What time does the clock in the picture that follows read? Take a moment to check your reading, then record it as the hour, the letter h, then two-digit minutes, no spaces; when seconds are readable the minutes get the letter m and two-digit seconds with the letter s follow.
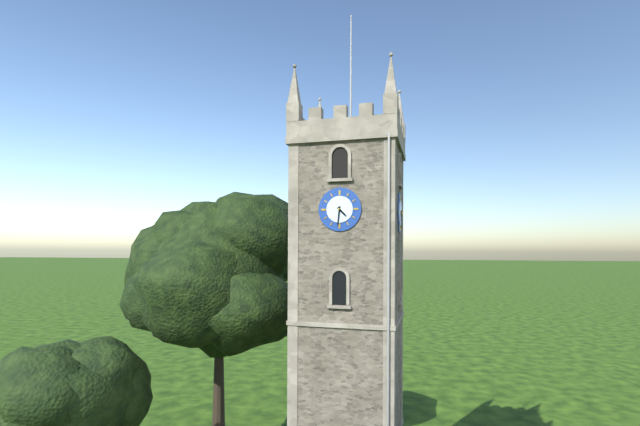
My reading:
4h31
